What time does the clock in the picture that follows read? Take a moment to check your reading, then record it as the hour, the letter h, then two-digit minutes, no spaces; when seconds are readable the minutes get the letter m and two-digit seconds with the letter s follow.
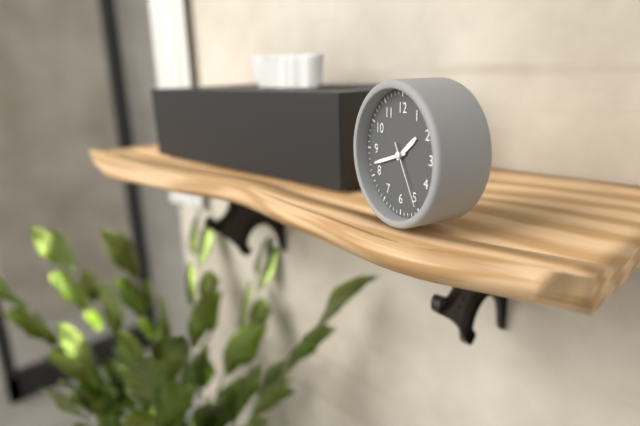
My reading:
1h42m25s
